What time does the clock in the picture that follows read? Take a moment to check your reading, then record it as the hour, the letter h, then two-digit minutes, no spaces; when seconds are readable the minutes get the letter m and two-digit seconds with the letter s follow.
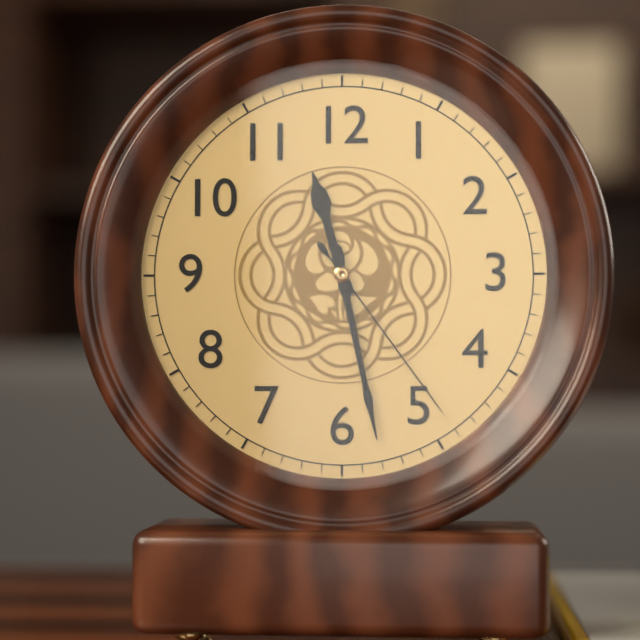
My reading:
11h28m24s
